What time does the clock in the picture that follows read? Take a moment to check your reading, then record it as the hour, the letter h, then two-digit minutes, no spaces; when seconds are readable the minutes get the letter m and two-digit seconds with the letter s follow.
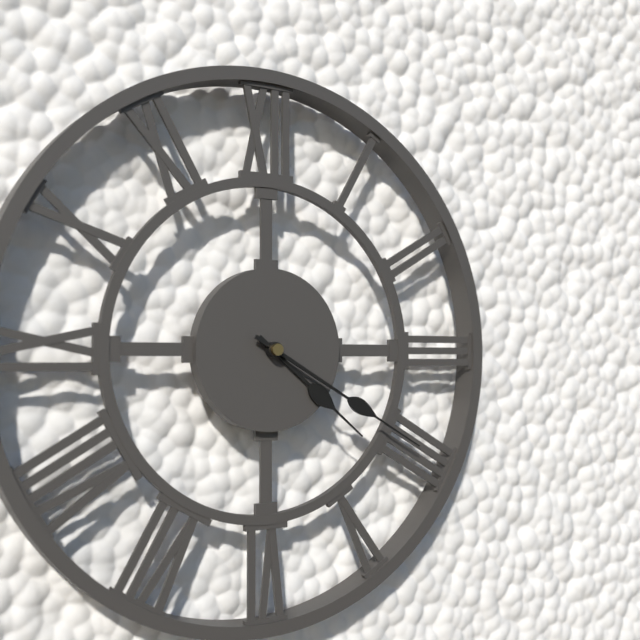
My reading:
4h20
